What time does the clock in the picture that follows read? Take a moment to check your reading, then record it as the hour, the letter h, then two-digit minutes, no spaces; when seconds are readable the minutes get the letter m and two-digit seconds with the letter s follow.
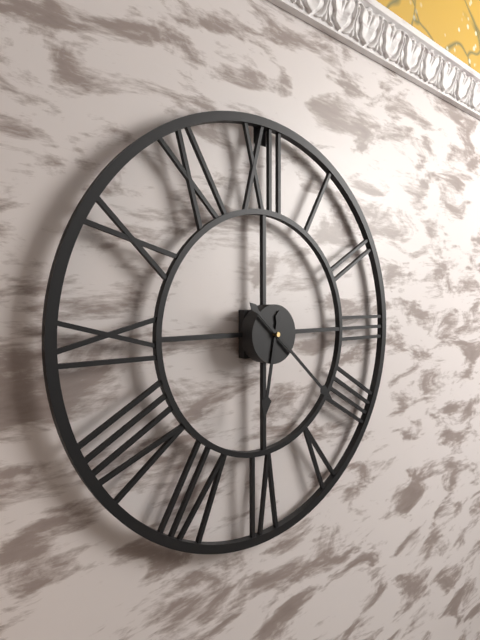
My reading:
6h22
